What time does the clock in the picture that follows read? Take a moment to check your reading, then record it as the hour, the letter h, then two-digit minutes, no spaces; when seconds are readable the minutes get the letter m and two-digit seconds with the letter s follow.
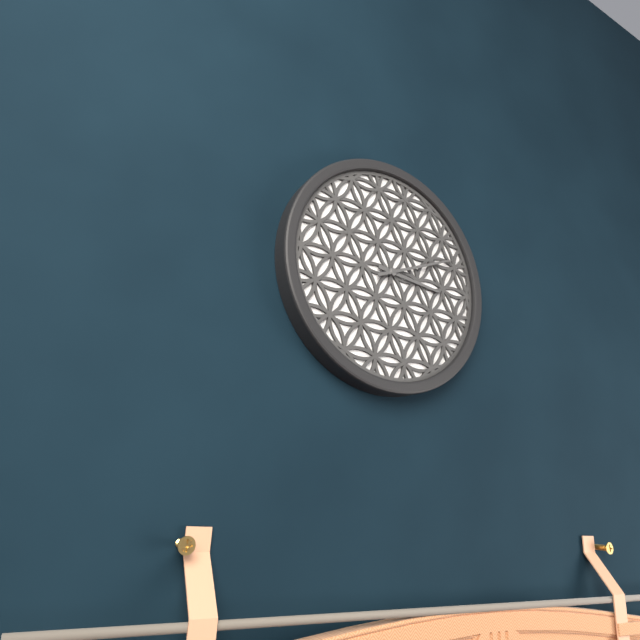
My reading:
3h11
